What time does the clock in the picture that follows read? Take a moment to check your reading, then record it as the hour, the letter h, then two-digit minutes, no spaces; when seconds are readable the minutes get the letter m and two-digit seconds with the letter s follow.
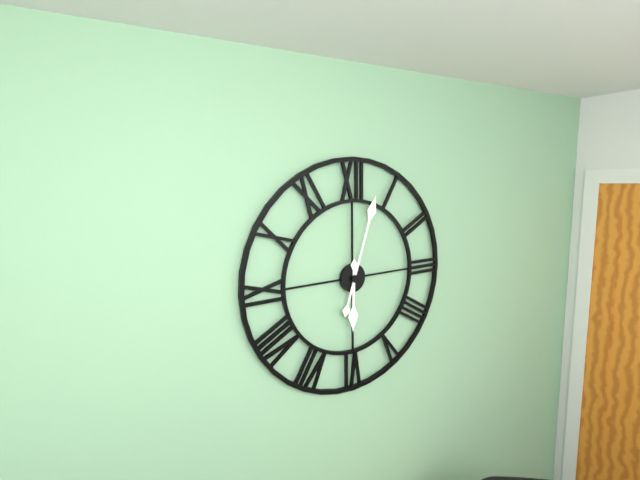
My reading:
6h03
